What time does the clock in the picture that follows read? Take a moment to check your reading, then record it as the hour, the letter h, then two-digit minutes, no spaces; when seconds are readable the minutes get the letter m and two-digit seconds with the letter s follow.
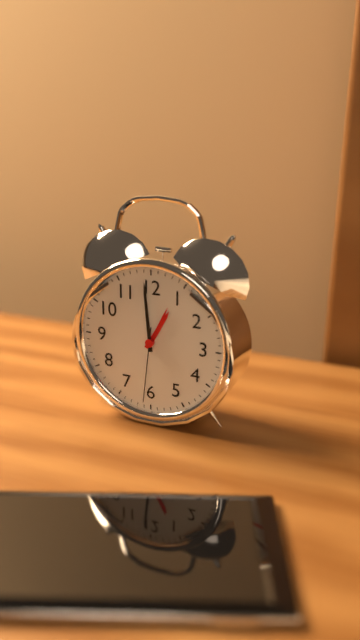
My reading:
12h59m31s
